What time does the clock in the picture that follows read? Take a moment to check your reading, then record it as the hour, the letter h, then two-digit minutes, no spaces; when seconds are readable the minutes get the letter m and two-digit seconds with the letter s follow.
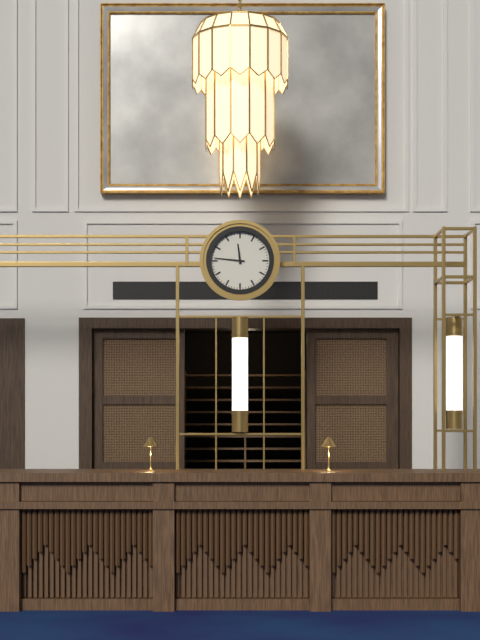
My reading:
11h46
